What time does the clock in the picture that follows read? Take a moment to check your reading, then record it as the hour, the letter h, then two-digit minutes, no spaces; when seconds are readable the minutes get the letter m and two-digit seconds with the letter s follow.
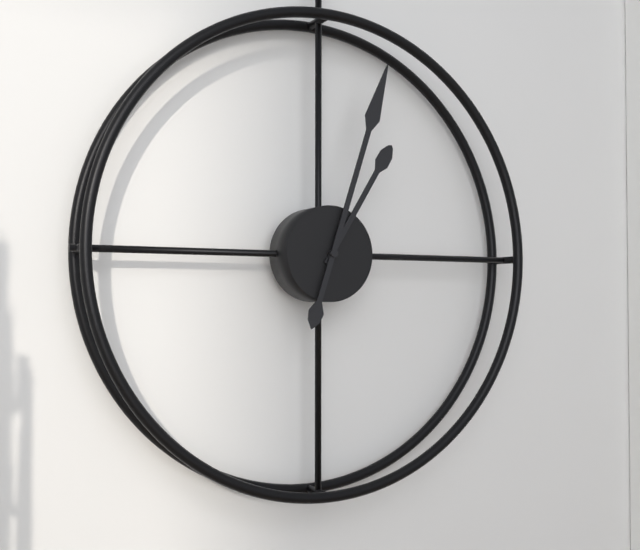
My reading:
1h03
